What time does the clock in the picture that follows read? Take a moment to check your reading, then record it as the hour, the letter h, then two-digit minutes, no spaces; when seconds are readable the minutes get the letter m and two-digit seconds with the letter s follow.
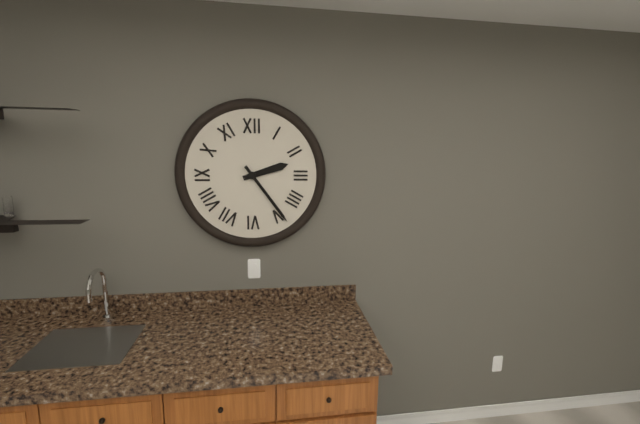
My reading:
2h24
